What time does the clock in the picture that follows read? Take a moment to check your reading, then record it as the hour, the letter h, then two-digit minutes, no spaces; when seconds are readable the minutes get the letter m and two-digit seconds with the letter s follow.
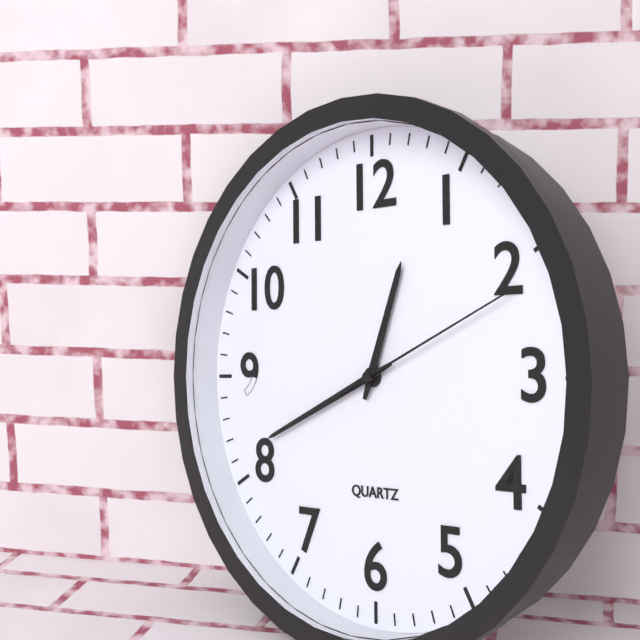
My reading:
12h41m11s
